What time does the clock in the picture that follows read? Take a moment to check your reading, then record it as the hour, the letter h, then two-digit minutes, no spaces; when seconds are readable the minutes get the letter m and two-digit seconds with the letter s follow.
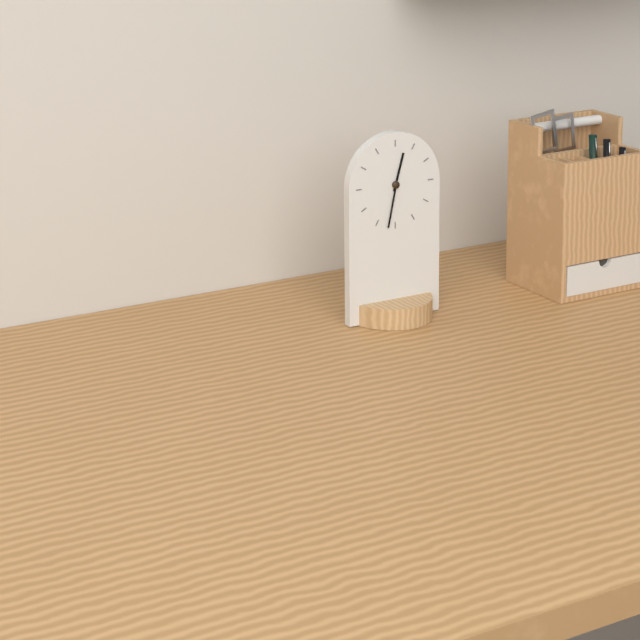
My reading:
12h32
